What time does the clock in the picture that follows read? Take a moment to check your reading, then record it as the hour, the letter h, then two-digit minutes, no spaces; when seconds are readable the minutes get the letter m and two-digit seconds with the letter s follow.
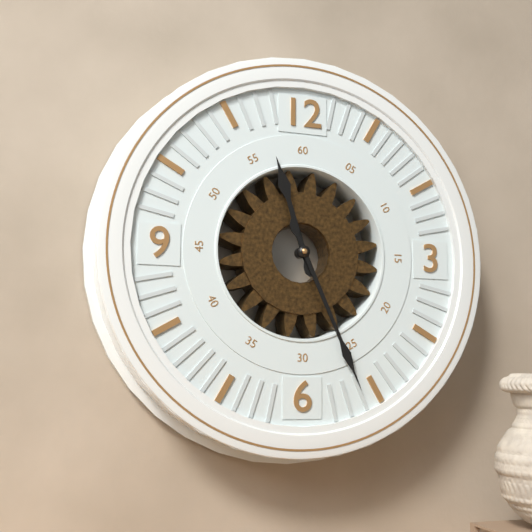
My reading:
11h26
